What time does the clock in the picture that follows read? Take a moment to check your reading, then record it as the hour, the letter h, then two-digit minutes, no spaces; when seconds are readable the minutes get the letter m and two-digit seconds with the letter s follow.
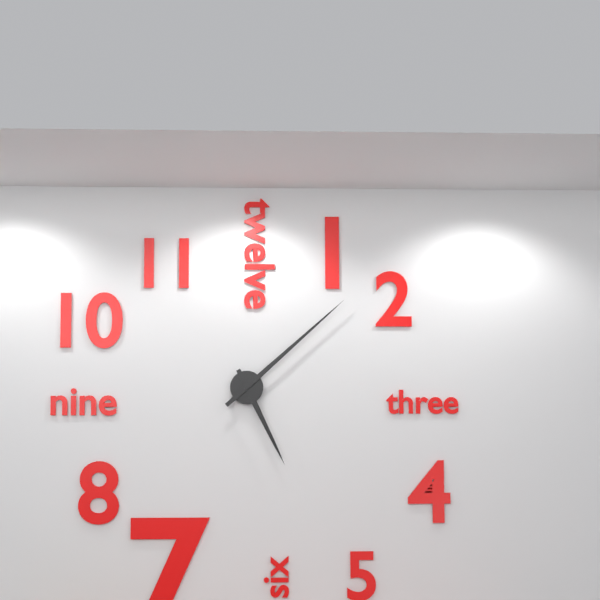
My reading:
5h08
